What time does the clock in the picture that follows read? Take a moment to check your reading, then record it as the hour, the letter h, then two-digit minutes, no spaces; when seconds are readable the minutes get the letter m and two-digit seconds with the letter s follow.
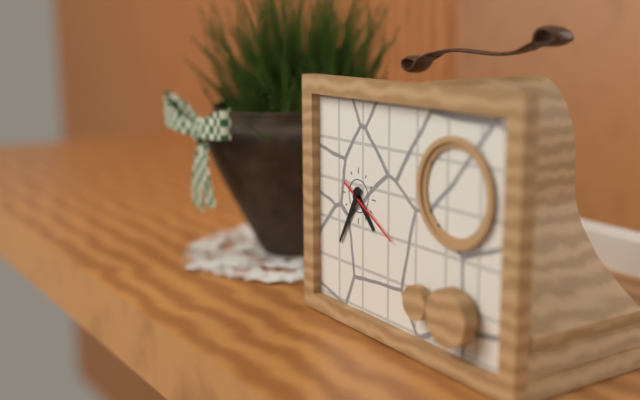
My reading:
4h35m20s
